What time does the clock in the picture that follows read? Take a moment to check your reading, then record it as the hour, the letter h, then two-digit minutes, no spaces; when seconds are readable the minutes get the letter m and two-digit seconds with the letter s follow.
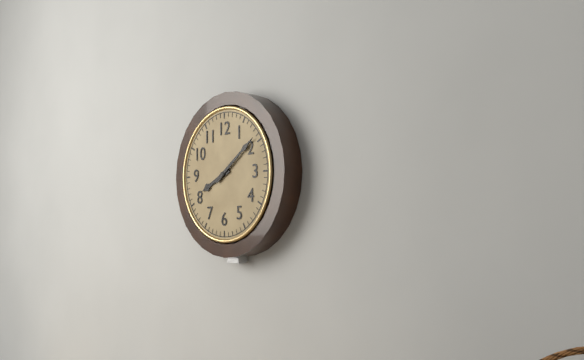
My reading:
8h09
